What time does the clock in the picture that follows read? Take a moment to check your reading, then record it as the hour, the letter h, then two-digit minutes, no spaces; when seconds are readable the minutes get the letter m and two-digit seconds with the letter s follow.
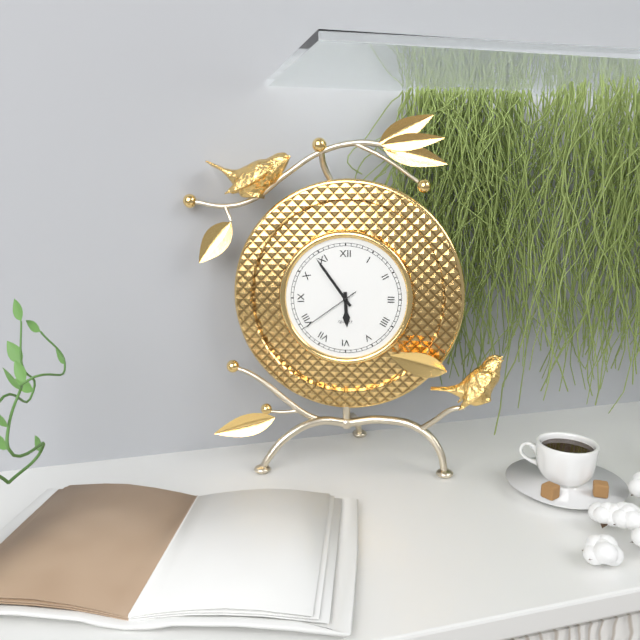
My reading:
5h54m39s
